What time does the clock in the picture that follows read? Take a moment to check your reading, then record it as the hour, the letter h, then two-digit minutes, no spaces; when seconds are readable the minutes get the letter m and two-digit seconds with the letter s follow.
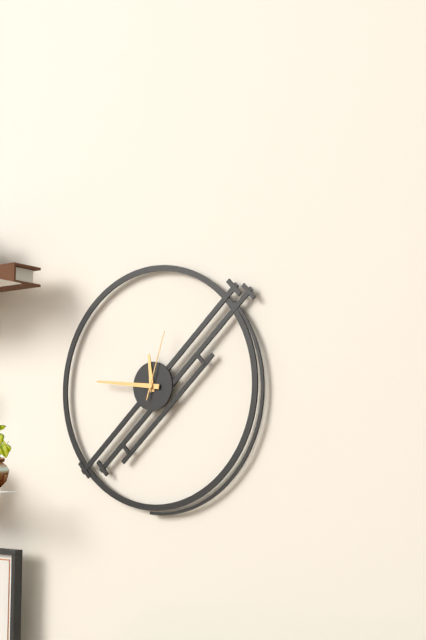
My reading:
11h46m03s
